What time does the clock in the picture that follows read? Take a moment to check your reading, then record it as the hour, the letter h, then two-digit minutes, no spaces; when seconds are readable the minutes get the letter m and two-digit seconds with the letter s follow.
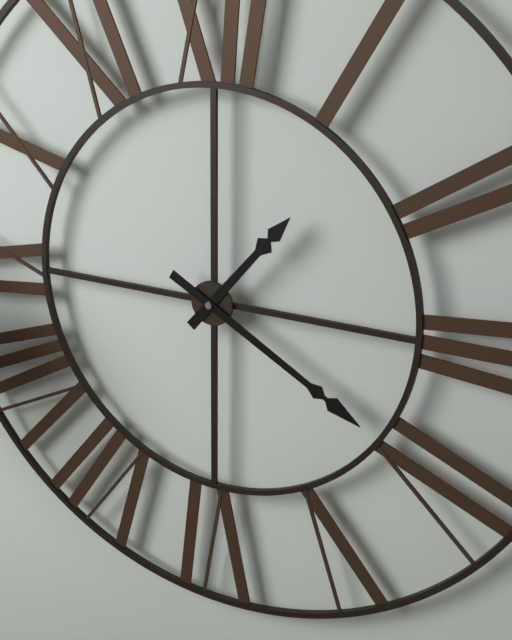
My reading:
1h20
